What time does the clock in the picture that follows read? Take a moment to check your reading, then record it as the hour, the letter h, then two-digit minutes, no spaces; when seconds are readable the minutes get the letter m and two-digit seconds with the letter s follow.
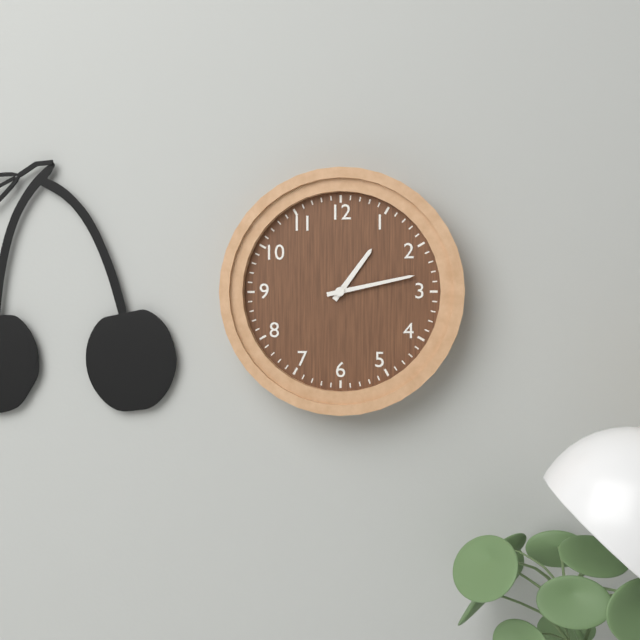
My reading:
1h13
